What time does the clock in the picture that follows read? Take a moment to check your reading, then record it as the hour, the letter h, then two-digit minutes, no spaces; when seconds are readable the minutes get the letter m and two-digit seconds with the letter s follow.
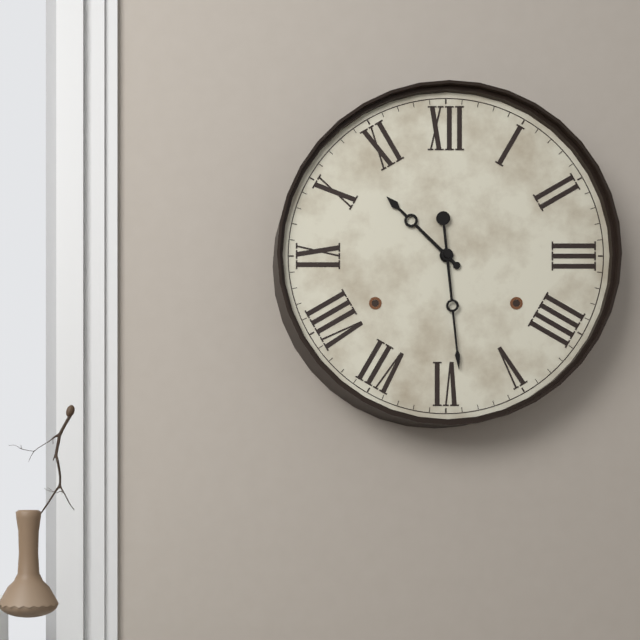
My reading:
10h29
